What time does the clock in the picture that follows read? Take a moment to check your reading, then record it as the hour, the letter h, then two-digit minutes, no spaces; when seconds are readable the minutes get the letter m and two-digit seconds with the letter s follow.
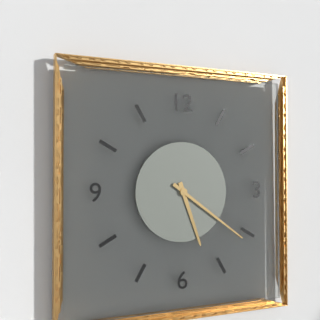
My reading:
5h21
